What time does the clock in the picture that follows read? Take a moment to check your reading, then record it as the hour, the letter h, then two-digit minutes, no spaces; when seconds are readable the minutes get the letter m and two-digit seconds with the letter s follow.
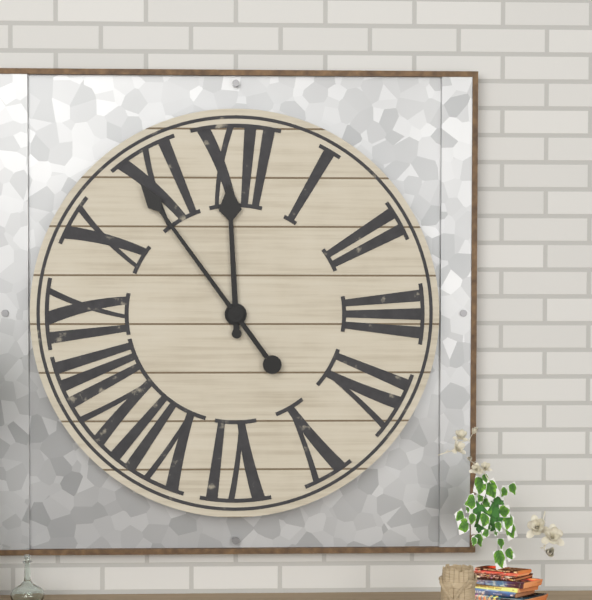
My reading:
11h54
